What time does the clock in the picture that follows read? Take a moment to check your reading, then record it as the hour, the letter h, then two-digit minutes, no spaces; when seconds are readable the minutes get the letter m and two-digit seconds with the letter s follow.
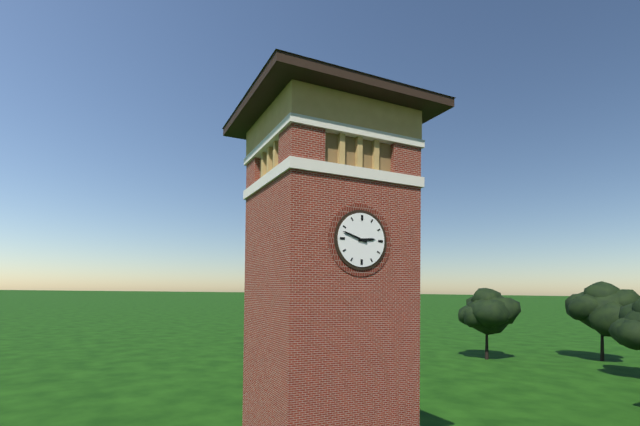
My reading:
2h48
